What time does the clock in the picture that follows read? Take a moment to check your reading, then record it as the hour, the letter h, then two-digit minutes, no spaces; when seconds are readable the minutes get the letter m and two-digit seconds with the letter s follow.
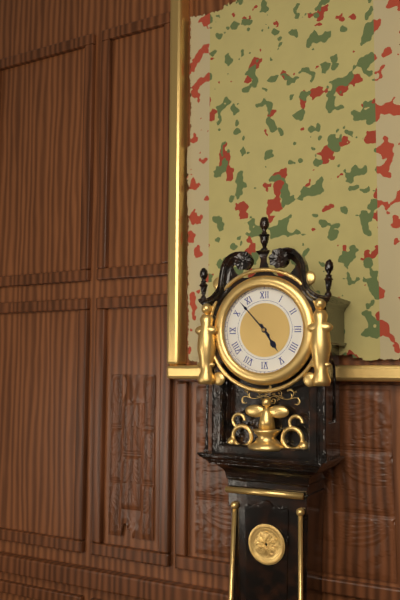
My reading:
4h53
